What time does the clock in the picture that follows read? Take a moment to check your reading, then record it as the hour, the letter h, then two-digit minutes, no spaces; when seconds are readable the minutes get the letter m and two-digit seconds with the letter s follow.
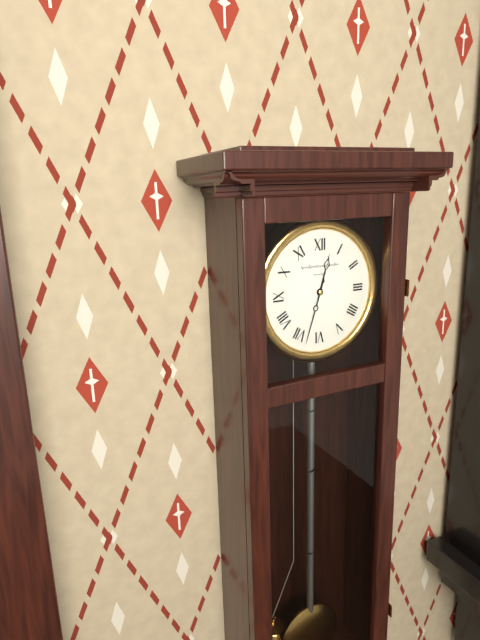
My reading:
12h33
